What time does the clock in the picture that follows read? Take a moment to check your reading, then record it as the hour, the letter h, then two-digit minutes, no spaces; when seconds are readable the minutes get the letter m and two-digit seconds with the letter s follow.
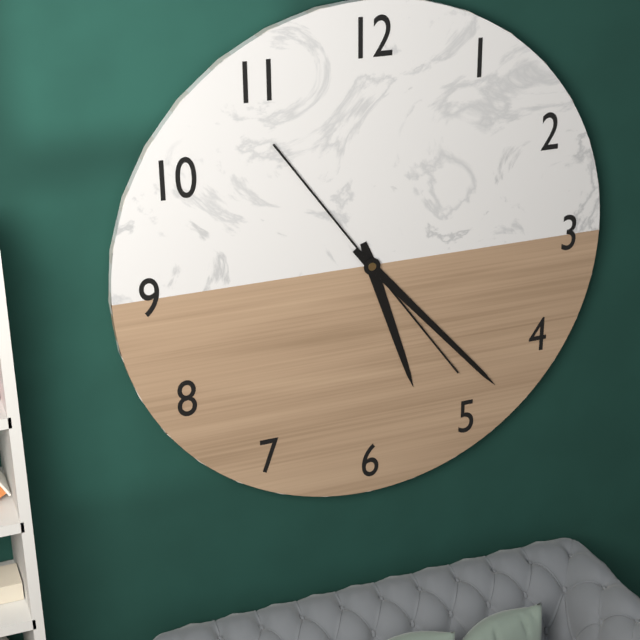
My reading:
5h23
